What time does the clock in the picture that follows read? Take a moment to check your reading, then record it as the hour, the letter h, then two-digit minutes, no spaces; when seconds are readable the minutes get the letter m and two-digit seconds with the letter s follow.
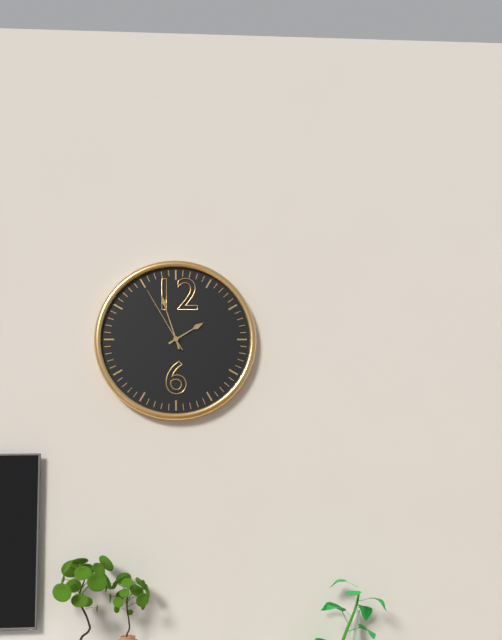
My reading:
1h57m55s
